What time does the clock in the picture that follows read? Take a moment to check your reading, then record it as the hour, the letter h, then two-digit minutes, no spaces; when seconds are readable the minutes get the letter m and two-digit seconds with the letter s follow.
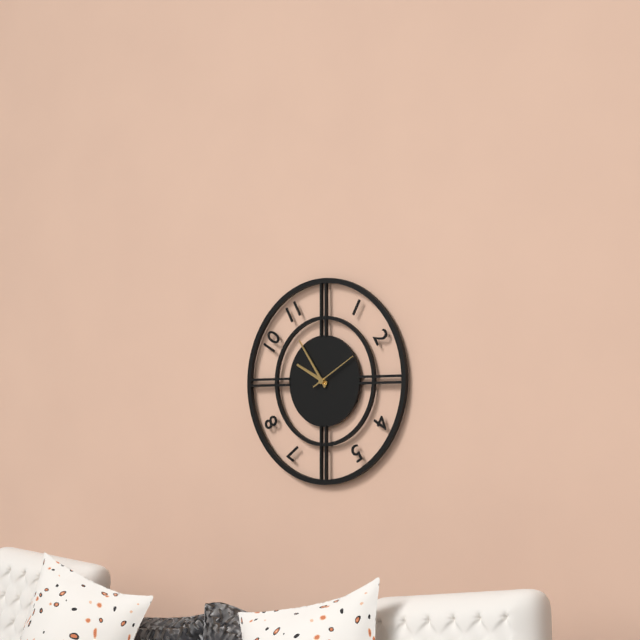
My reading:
9h54
